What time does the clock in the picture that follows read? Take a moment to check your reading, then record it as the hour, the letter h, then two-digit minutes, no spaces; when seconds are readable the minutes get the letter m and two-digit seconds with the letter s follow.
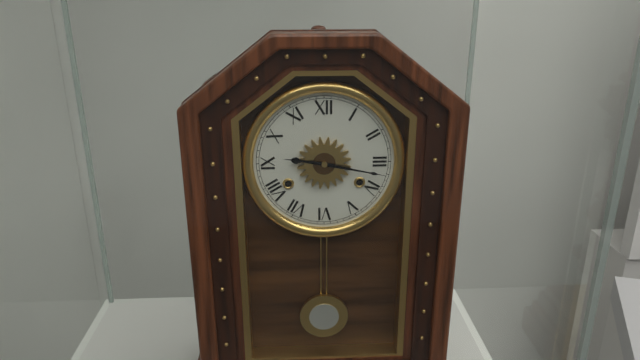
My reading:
9h17
